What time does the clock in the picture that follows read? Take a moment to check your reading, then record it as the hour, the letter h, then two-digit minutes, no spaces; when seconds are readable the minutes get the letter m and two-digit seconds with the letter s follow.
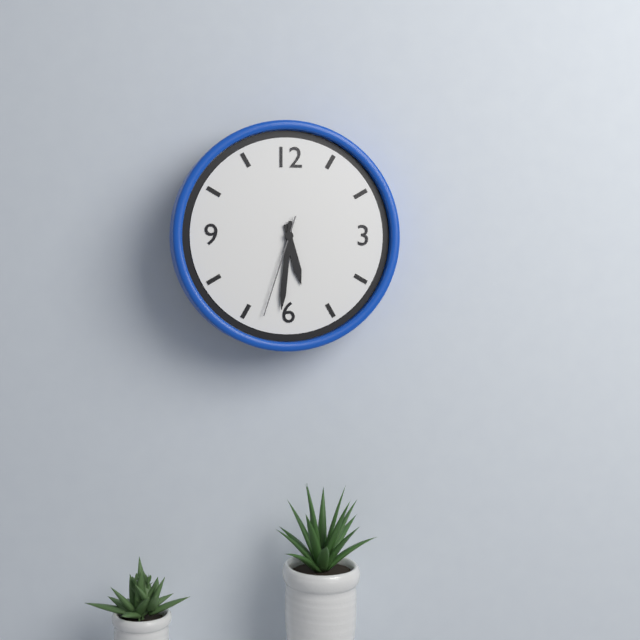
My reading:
5h31m33s
